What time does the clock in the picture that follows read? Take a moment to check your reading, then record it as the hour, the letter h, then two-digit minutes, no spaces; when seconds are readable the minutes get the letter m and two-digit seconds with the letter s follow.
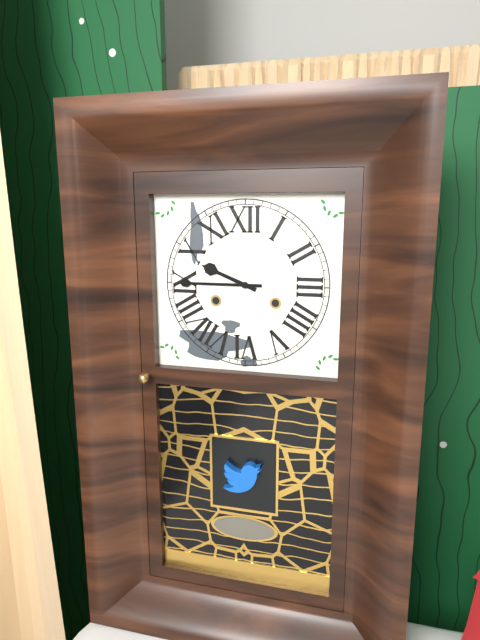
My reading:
9h45
